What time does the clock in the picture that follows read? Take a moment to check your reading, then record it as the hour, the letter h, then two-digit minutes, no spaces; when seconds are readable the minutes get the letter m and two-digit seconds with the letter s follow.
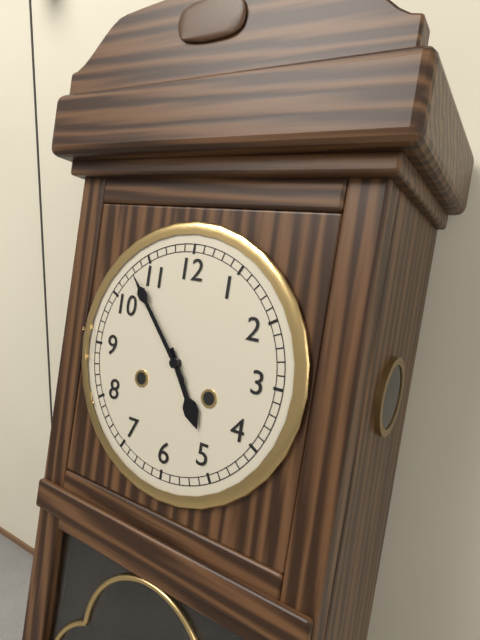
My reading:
4h53
